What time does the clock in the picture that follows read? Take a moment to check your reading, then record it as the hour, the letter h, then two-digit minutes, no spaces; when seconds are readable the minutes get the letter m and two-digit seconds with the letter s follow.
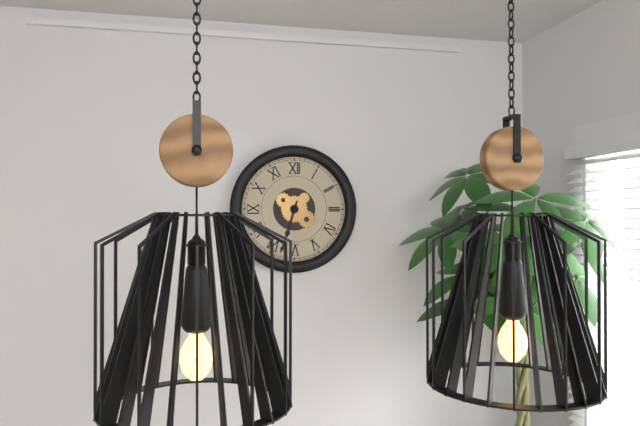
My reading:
6h33
